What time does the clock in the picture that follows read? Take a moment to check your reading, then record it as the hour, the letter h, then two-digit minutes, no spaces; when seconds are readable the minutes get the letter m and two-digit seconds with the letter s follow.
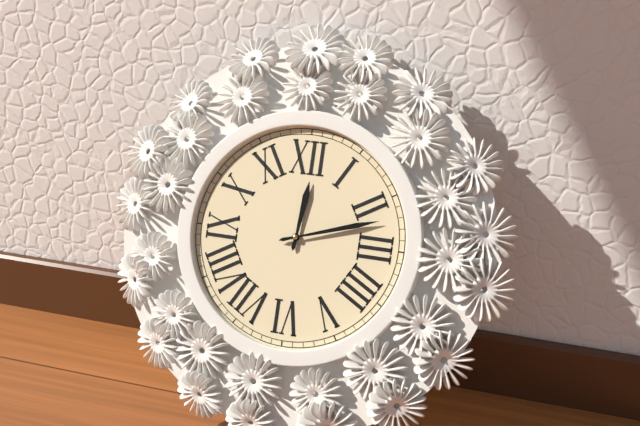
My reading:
12h12
